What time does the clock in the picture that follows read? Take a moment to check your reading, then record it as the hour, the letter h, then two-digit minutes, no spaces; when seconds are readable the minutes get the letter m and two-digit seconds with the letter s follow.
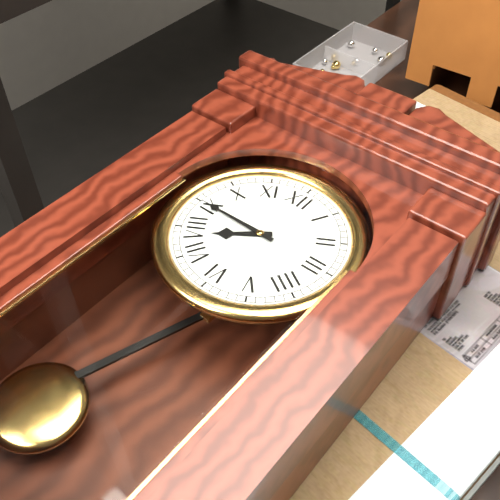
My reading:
7h45
